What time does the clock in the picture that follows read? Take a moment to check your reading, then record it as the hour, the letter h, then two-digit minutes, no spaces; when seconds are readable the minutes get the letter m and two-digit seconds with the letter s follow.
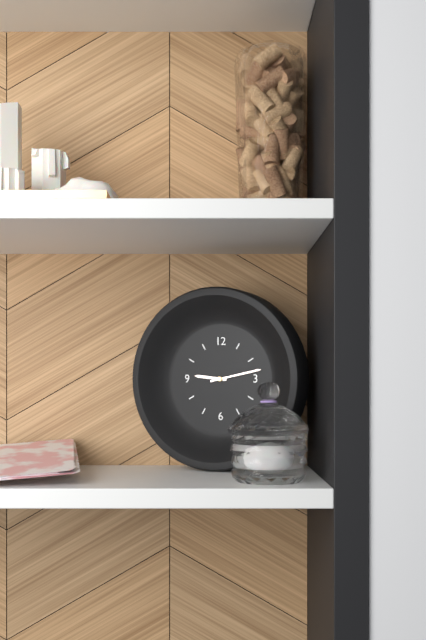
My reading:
9h13
